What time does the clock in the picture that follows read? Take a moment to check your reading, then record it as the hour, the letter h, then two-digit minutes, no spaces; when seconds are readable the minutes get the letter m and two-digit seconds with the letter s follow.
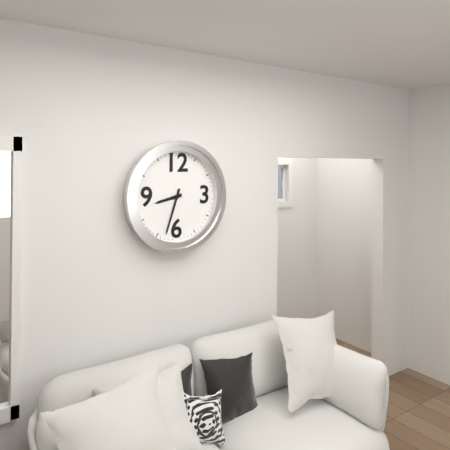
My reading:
8h33
